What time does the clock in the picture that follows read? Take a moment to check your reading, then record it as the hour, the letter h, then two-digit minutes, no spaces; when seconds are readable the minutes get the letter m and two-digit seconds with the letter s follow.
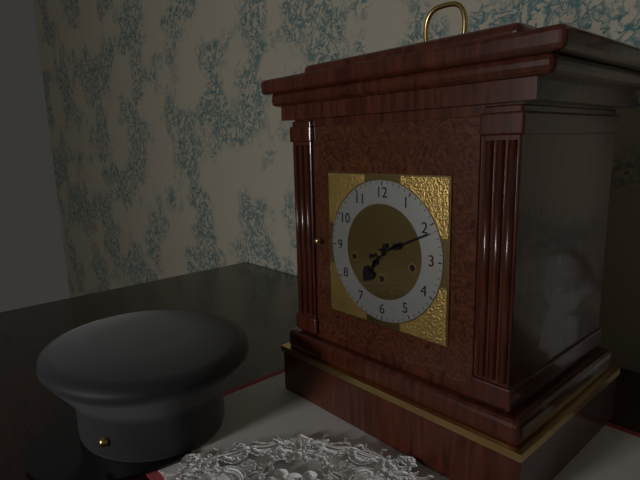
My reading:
7h11
